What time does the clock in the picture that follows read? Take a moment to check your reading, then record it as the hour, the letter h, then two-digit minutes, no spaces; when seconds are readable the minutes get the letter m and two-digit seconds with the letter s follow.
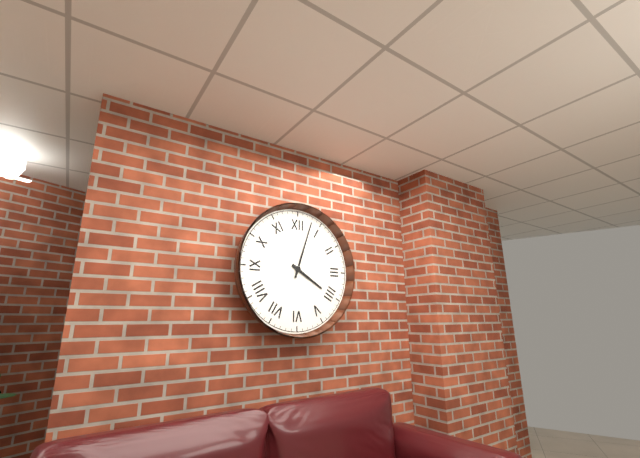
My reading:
4h03
